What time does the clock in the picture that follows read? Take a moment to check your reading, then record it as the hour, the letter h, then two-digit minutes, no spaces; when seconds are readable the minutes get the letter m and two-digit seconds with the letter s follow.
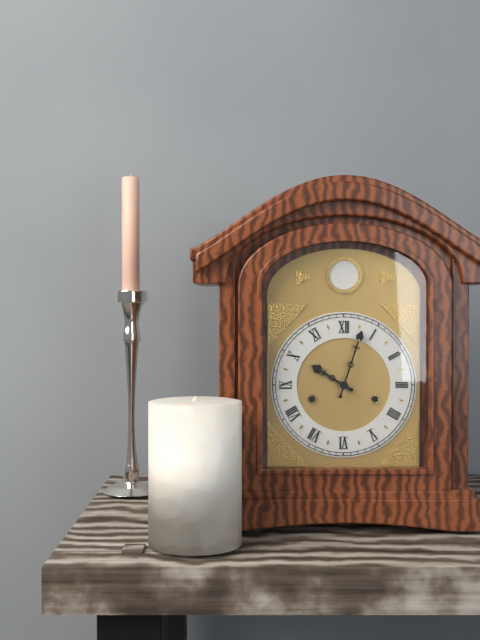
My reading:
10h03
